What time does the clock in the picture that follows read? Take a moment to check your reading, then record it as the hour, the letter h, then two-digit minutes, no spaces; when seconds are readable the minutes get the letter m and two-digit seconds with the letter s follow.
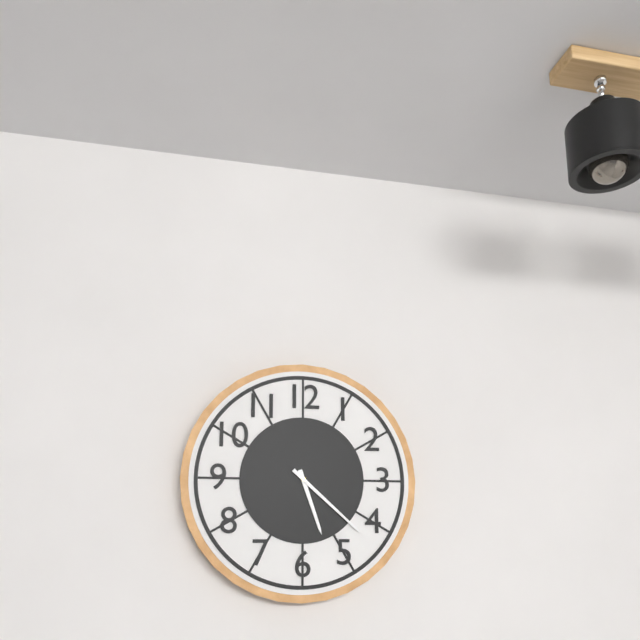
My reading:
5h22
